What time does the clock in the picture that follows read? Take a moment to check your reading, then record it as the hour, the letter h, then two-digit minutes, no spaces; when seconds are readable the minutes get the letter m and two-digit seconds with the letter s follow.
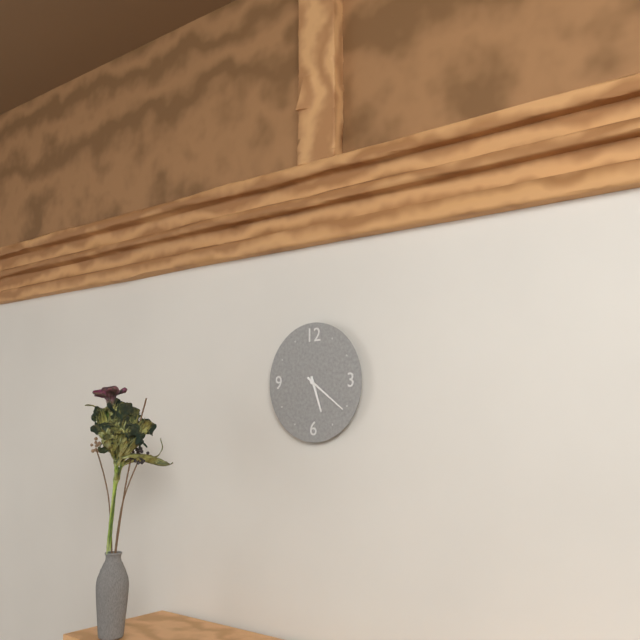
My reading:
5h21
